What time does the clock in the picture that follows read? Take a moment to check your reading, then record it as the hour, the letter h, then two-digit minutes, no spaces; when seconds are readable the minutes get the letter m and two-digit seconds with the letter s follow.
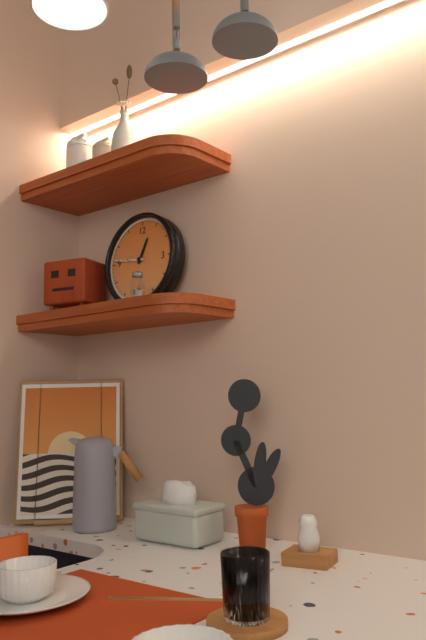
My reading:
12h46
